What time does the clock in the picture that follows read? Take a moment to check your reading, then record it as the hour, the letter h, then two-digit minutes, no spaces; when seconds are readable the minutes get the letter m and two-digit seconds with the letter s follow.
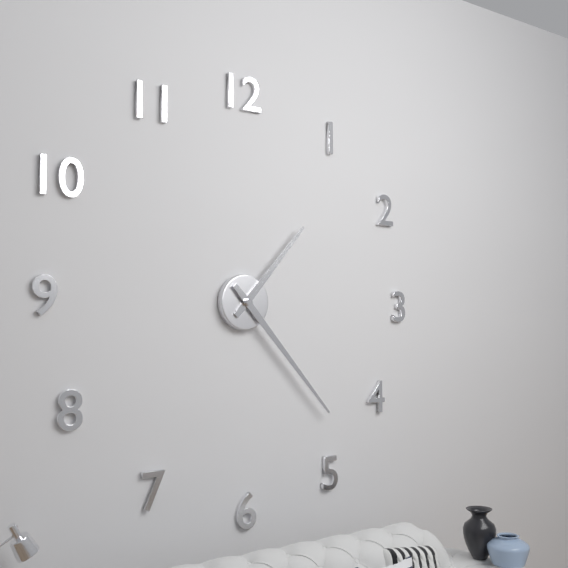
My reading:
1h23
